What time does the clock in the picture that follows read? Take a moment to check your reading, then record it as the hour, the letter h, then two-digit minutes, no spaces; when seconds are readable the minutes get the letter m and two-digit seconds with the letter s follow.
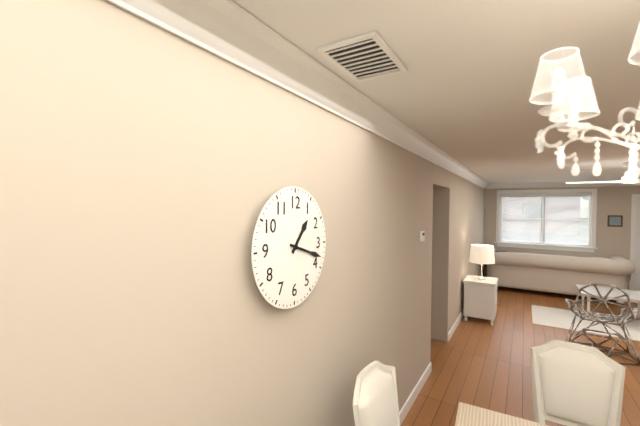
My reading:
1h18
